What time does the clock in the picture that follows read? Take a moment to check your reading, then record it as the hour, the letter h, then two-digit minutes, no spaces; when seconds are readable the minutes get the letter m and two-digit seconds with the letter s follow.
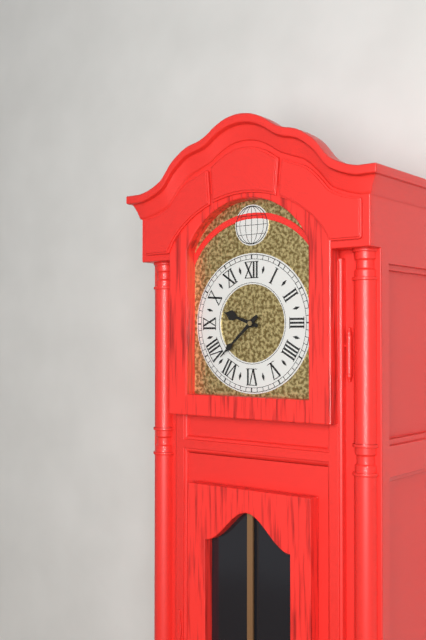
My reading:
9h38
